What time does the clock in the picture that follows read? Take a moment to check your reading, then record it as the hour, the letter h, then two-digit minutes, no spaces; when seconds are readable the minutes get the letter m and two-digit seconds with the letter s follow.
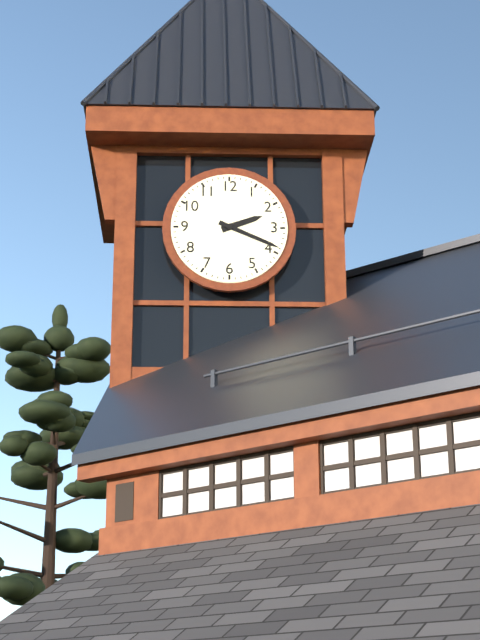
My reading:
2h19
